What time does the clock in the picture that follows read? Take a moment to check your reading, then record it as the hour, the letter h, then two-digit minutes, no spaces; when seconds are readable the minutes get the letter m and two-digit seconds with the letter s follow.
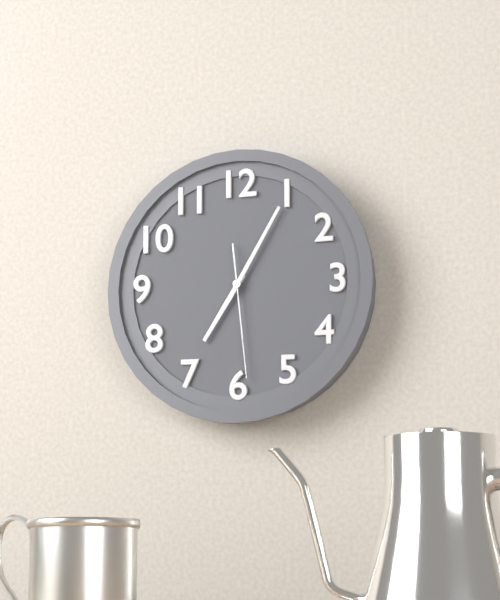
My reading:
7h05m29s
